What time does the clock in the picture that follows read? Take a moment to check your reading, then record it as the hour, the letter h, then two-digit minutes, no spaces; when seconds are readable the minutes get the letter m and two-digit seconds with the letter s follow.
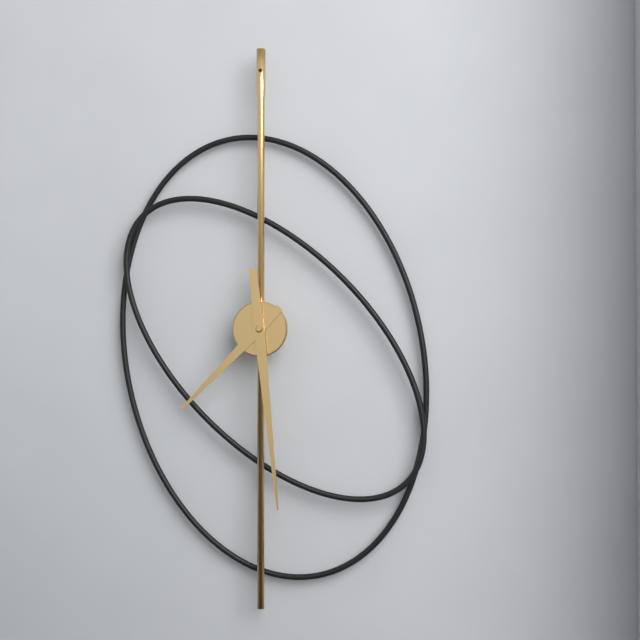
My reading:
7h29
